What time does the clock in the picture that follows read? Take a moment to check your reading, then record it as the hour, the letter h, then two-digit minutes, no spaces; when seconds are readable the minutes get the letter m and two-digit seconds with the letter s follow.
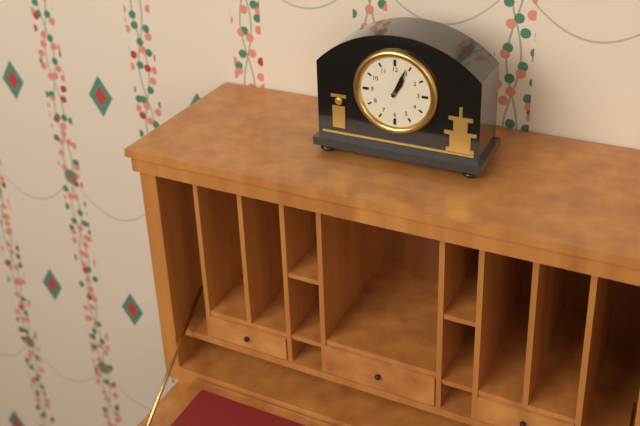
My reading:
1h04
